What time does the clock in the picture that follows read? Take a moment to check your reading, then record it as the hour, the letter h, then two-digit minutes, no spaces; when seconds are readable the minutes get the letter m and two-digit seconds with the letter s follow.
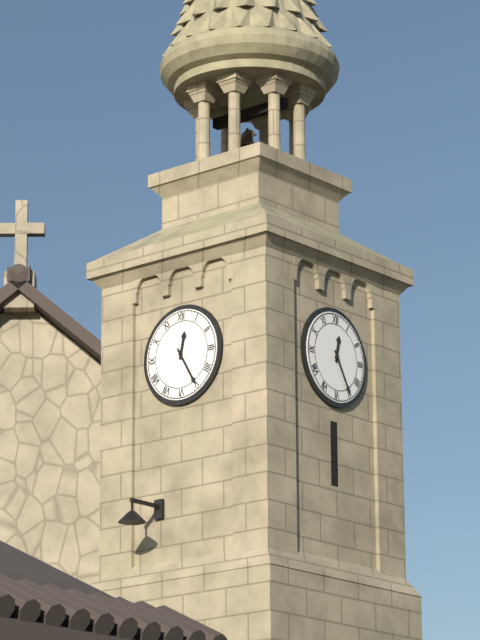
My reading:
12h25
